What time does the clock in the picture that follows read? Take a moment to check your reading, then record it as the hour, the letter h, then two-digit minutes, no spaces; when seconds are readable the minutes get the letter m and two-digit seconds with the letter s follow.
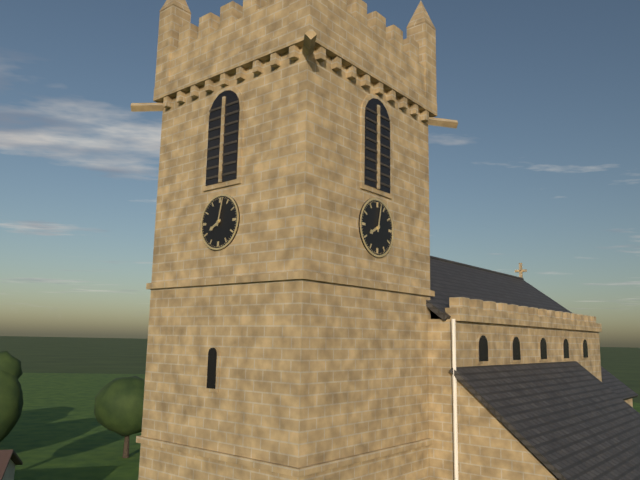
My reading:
8h02
